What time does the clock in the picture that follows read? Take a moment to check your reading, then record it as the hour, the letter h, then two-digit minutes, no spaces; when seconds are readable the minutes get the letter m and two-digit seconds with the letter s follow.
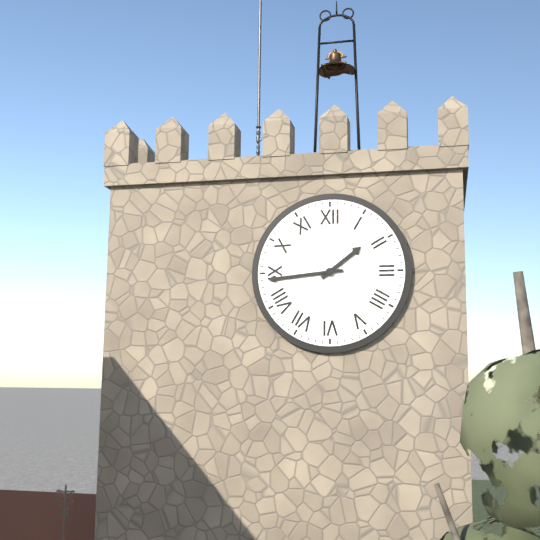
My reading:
1h44
